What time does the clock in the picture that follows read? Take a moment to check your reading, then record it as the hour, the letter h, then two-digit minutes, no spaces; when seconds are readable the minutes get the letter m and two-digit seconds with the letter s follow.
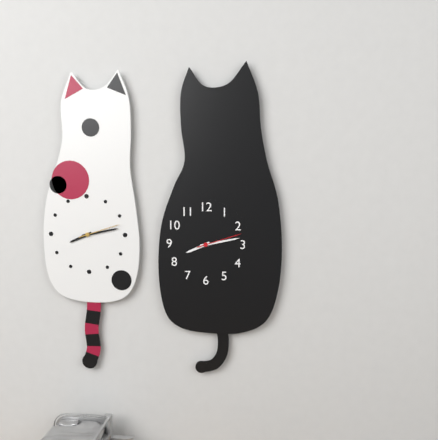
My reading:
8h13
